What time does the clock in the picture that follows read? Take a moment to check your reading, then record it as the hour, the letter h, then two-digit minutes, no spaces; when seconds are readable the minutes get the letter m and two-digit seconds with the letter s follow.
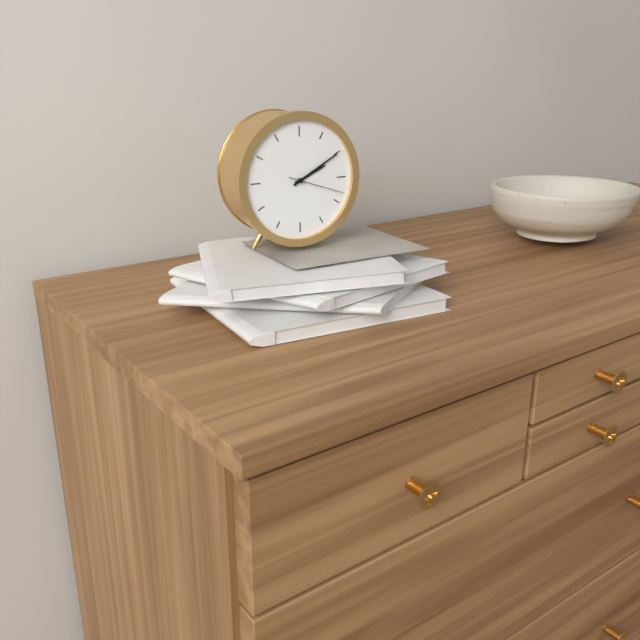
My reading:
2h10m18s
